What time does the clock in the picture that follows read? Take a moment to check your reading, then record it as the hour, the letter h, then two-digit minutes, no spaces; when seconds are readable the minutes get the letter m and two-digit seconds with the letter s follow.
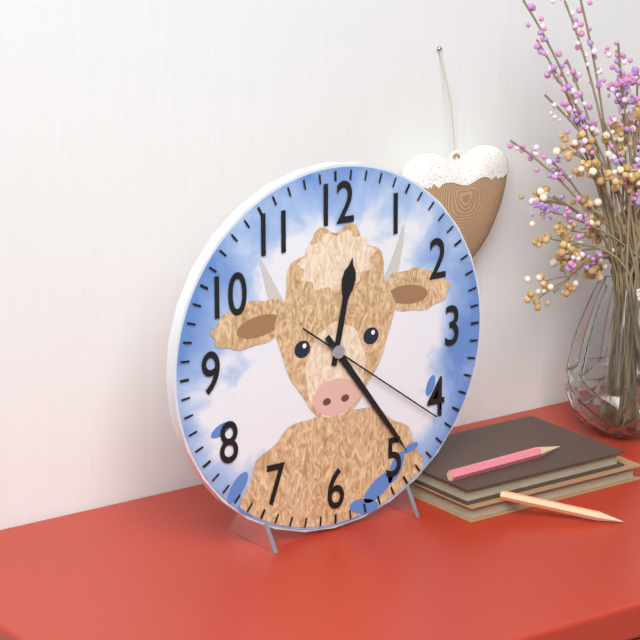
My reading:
12h24m21s
